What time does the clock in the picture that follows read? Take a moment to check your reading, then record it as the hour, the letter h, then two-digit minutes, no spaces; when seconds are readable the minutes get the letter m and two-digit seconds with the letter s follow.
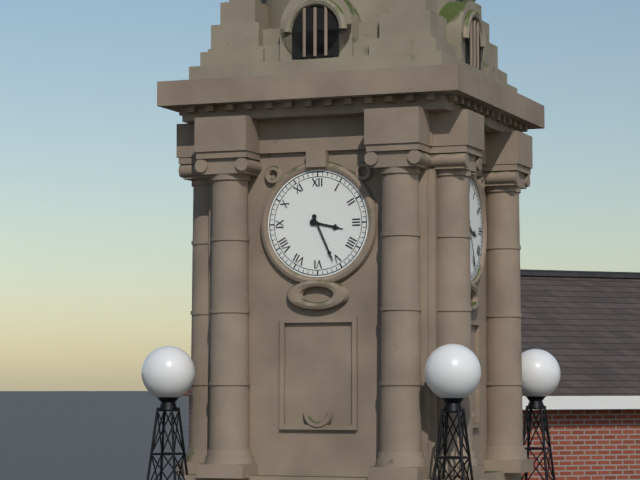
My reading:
3h26
